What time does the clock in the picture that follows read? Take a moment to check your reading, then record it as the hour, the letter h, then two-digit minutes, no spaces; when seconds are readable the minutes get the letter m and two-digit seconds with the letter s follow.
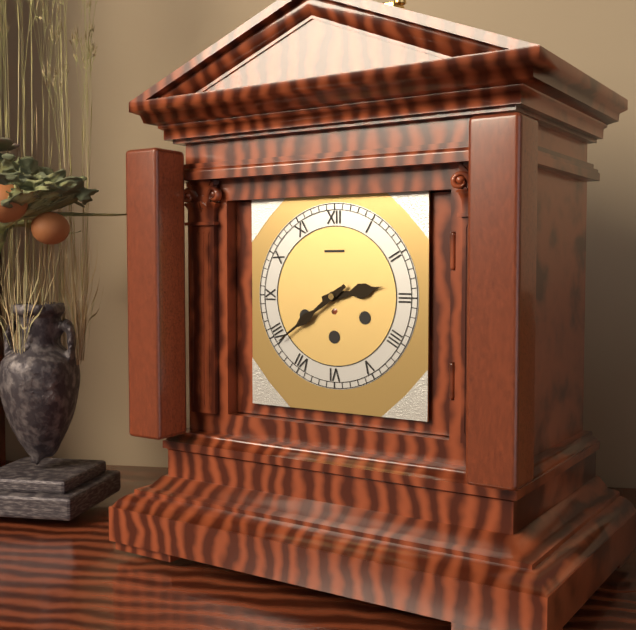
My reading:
2h39
